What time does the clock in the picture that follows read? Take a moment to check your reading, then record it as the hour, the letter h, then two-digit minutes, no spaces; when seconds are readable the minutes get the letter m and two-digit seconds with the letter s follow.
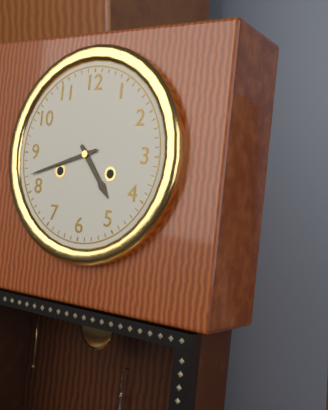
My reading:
4h42
